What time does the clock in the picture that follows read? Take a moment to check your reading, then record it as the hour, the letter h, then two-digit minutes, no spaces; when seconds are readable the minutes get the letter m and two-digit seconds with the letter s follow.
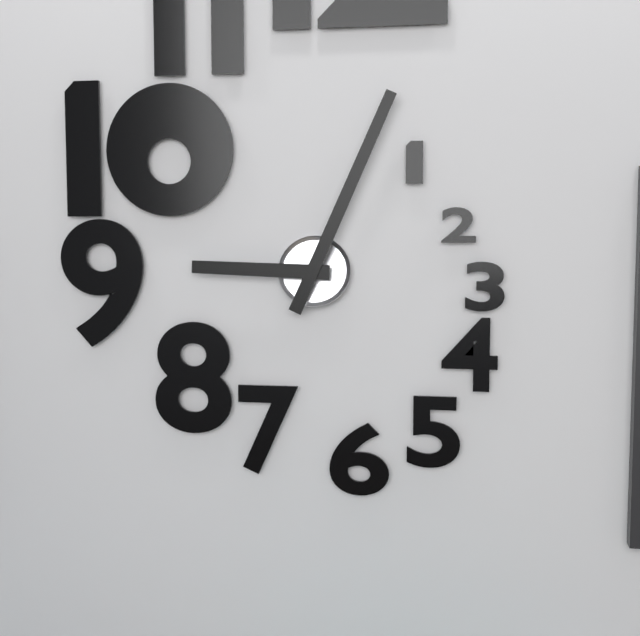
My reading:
9h04
